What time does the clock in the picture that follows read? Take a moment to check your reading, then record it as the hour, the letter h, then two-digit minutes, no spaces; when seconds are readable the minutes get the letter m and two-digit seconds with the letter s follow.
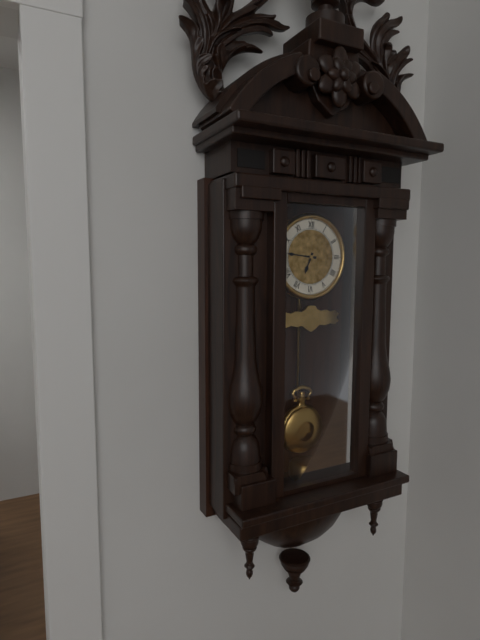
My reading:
6h46
